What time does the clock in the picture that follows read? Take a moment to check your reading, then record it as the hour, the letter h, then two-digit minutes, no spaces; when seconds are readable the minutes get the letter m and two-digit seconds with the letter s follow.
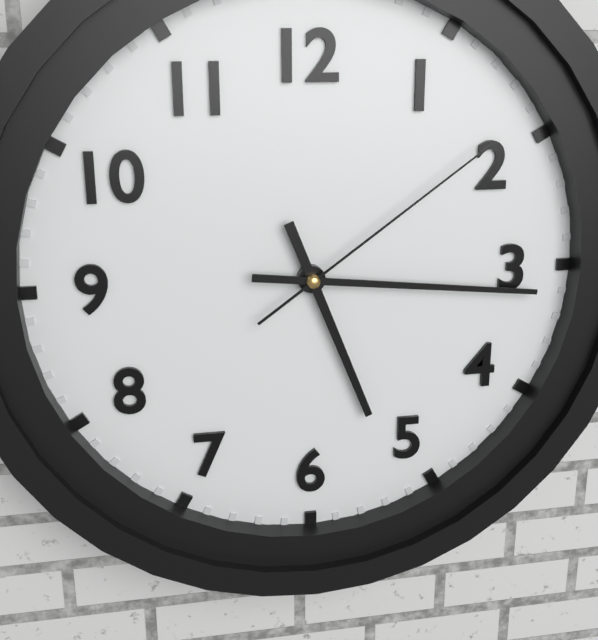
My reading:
5h16m09s
